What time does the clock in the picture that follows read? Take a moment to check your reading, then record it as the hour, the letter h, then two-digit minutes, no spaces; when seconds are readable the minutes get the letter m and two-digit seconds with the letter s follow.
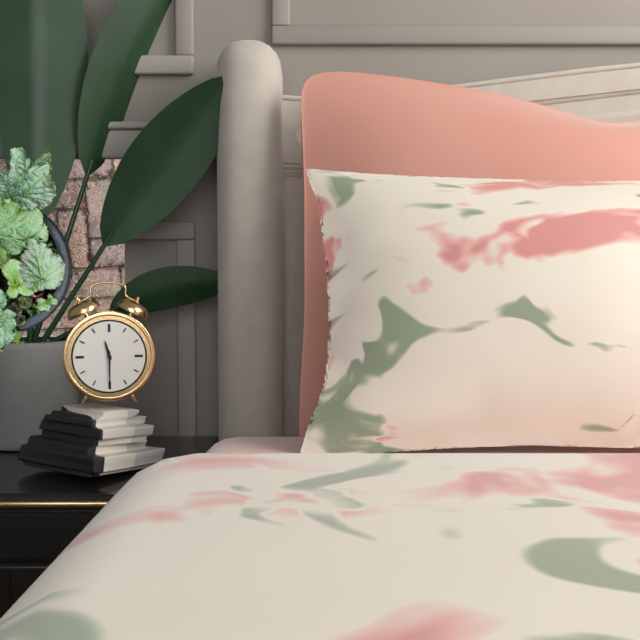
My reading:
11h30
